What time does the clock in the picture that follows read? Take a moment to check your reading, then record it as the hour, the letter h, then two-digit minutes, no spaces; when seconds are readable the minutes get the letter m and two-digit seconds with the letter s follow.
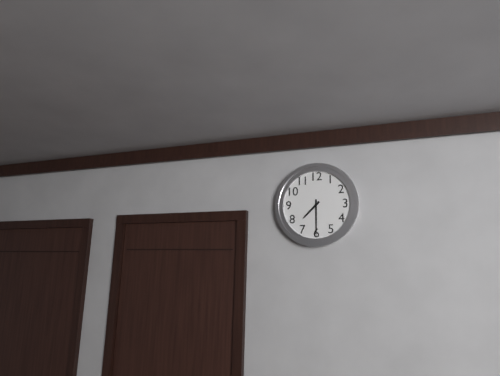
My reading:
7h30
